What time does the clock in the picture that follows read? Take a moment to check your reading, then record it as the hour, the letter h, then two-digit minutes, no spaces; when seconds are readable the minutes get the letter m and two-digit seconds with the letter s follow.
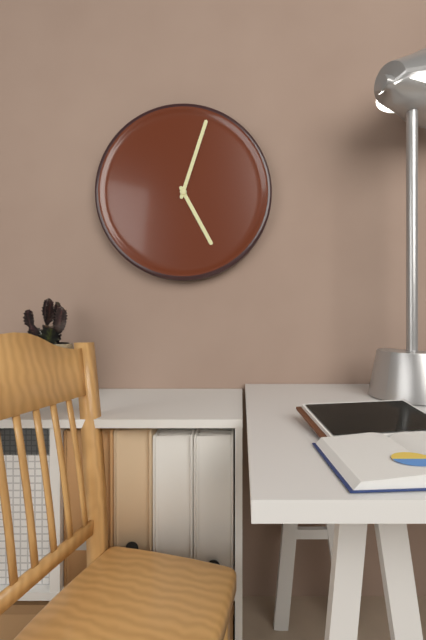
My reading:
5h03
